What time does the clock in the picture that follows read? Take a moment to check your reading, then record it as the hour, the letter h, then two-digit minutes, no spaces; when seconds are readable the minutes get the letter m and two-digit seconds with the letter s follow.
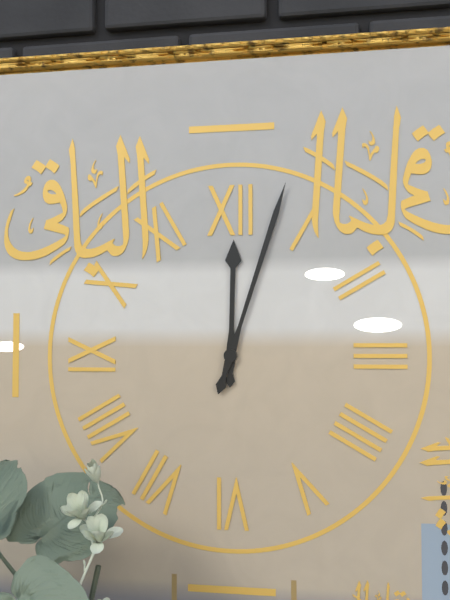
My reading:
12h03
